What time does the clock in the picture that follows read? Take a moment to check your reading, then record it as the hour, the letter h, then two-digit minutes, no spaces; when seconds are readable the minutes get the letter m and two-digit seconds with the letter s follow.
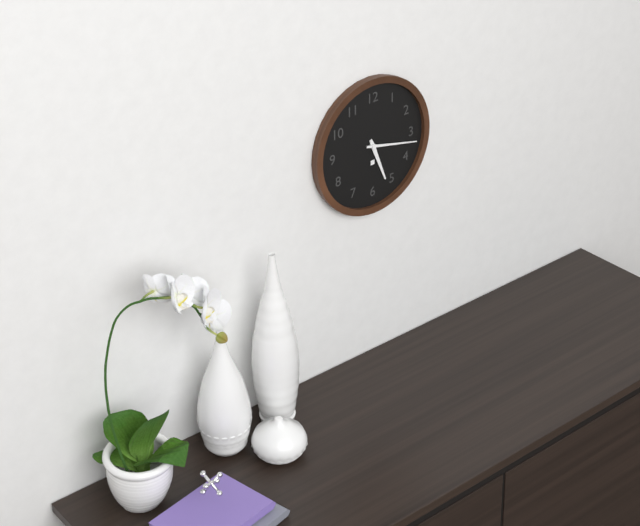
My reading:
5h17
